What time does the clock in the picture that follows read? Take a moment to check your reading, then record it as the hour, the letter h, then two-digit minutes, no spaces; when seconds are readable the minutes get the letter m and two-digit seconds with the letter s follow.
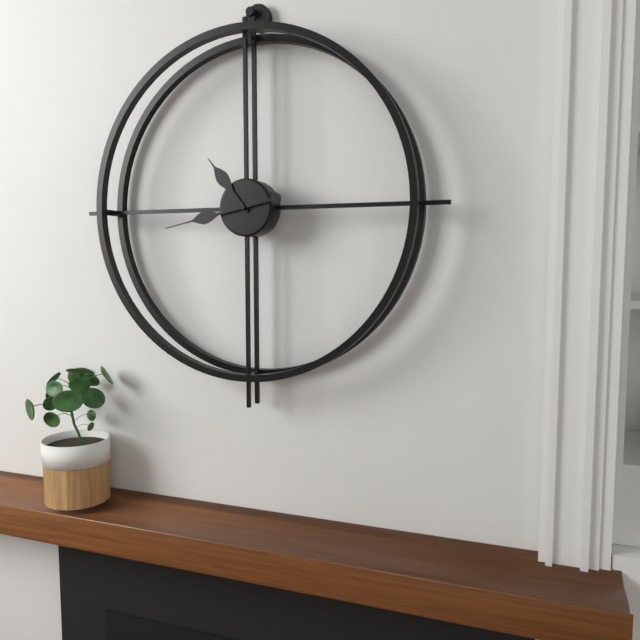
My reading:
10h43
